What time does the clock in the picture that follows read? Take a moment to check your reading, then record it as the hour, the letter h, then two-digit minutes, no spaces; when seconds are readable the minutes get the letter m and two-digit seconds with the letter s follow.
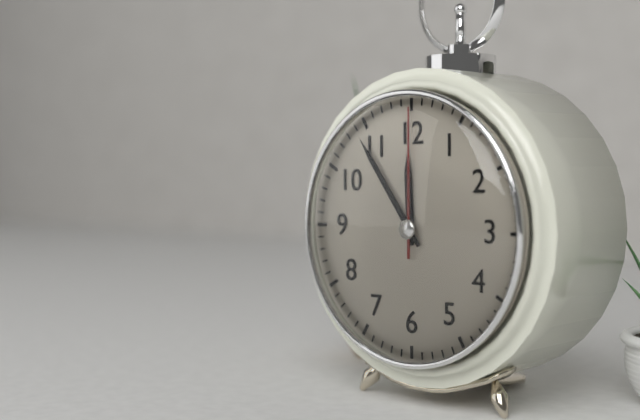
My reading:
11h54m00s
